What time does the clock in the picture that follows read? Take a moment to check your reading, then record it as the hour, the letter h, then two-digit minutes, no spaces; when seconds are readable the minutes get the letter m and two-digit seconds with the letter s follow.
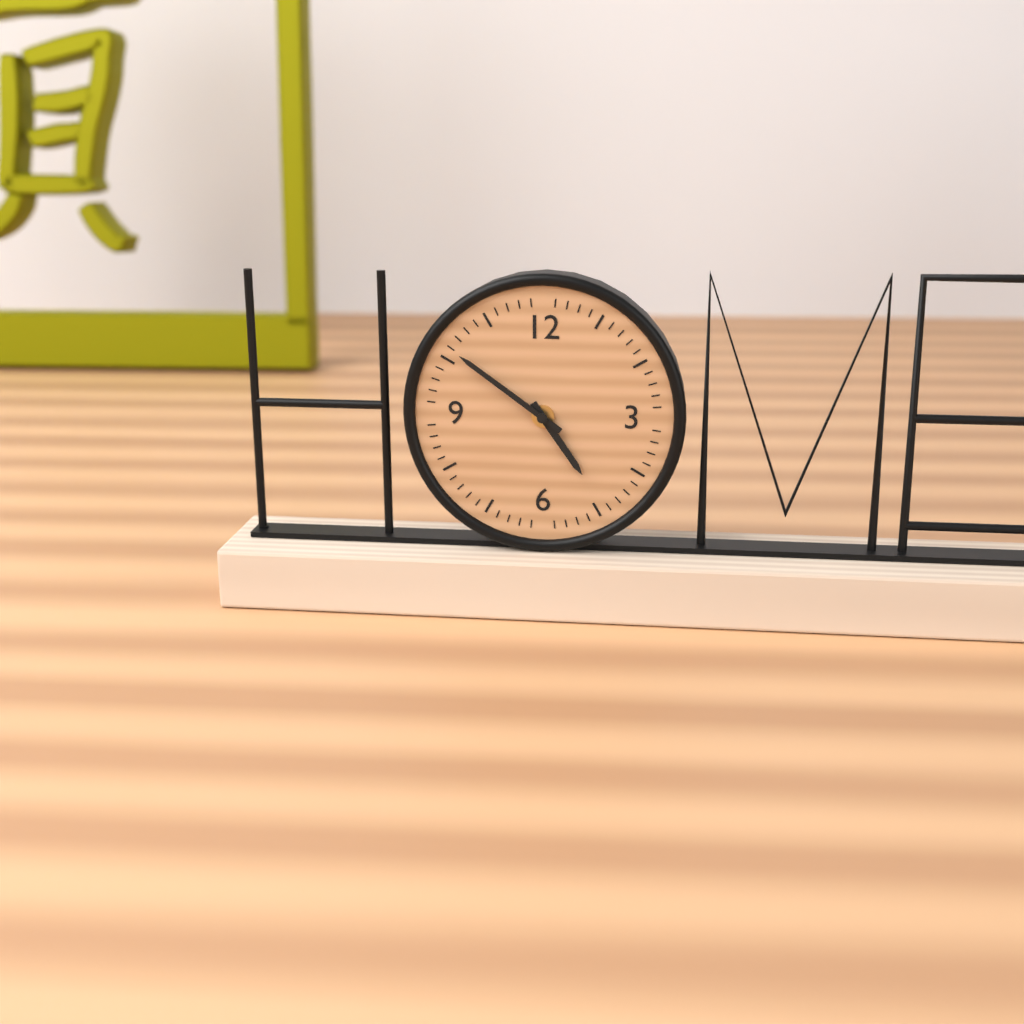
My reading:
4h51
